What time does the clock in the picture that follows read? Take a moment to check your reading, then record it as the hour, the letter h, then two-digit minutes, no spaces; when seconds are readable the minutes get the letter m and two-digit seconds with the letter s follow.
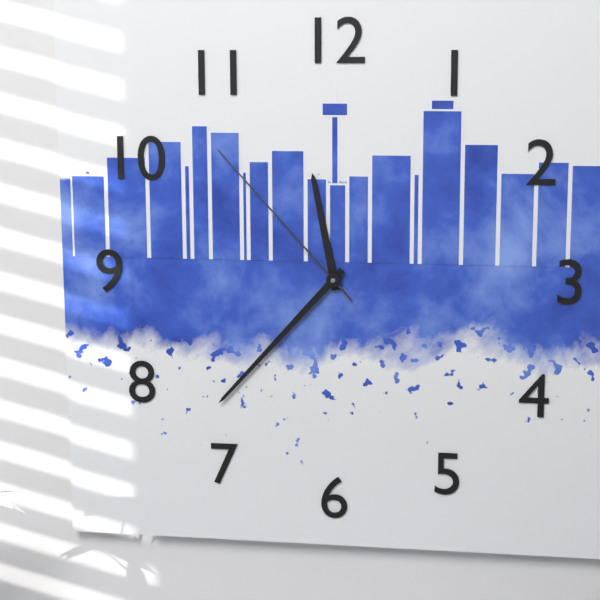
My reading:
11h37m53s
